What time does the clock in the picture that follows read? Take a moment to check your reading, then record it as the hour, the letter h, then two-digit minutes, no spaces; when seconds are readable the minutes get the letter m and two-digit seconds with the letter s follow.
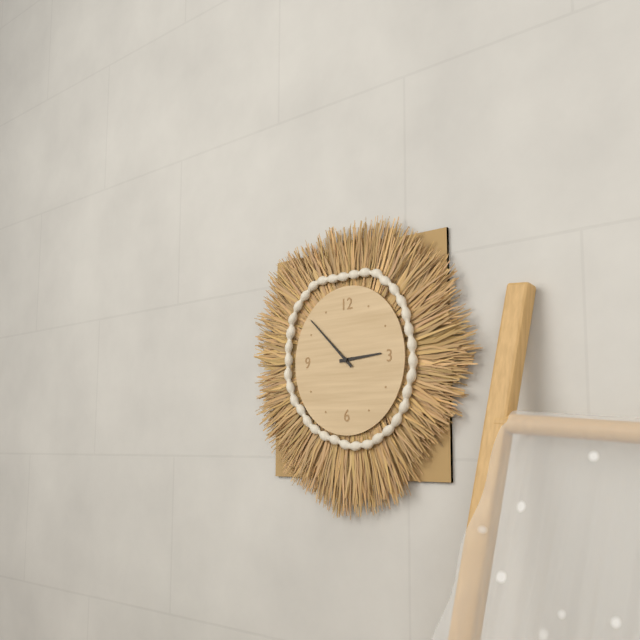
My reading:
2h52
